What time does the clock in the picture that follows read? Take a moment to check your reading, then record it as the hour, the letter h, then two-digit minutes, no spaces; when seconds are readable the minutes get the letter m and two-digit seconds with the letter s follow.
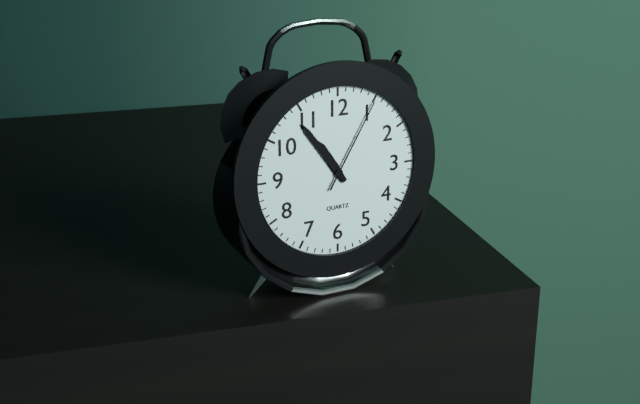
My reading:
10h54m05s
